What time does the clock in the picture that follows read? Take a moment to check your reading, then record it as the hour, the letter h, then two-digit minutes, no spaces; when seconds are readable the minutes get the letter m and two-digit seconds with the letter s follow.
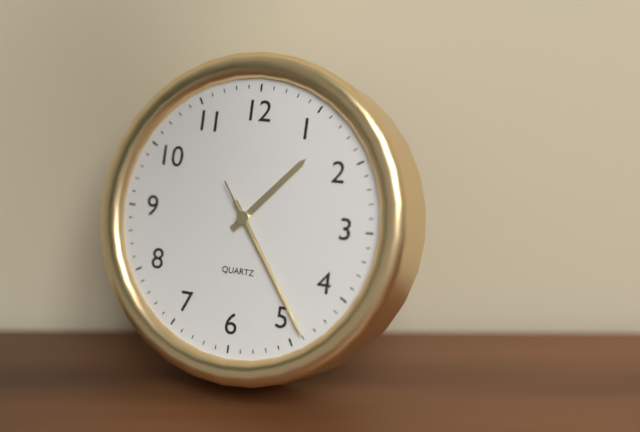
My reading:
1h24m24s
